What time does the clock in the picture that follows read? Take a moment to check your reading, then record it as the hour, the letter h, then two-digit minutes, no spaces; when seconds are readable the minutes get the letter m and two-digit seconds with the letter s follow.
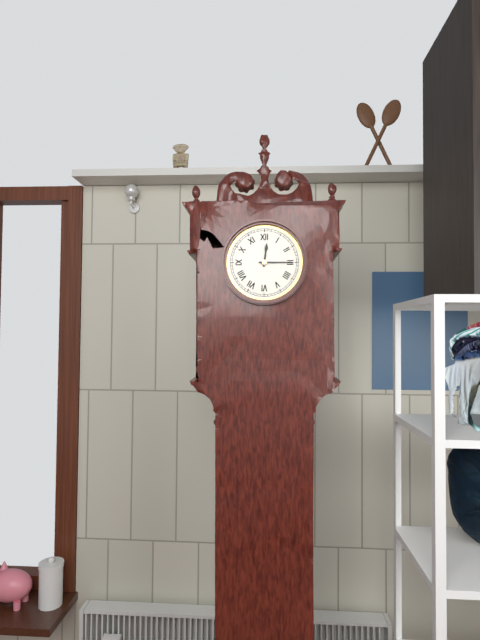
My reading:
12h15
